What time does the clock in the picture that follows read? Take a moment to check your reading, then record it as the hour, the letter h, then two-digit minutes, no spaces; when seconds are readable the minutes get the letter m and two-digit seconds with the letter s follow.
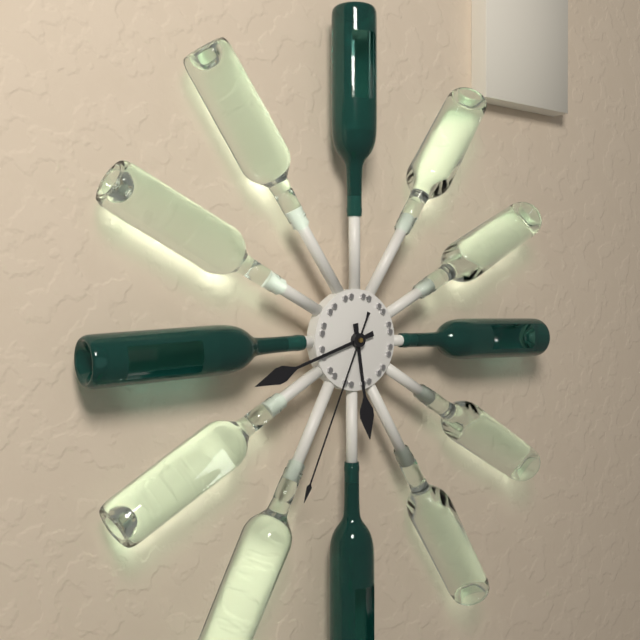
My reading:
5h42m34s
